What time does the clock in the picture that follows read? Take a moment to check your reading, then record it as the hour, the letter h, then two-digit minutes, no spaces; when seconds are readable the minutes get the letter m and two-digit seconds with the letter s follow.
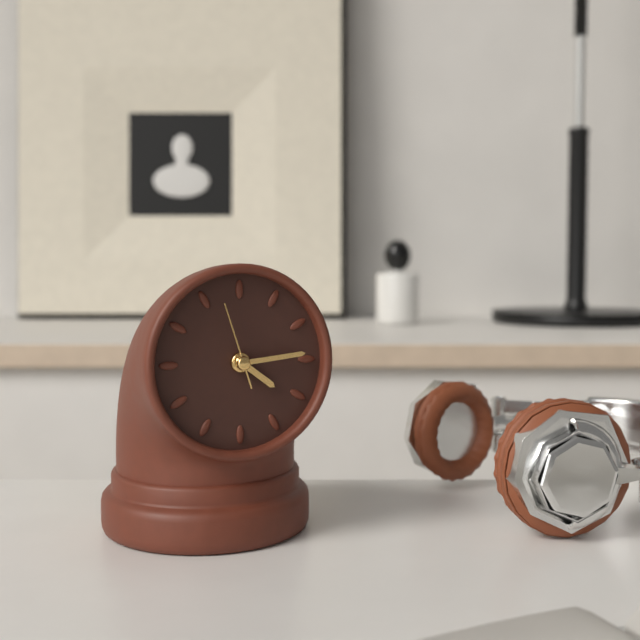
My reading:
4h14m57s
